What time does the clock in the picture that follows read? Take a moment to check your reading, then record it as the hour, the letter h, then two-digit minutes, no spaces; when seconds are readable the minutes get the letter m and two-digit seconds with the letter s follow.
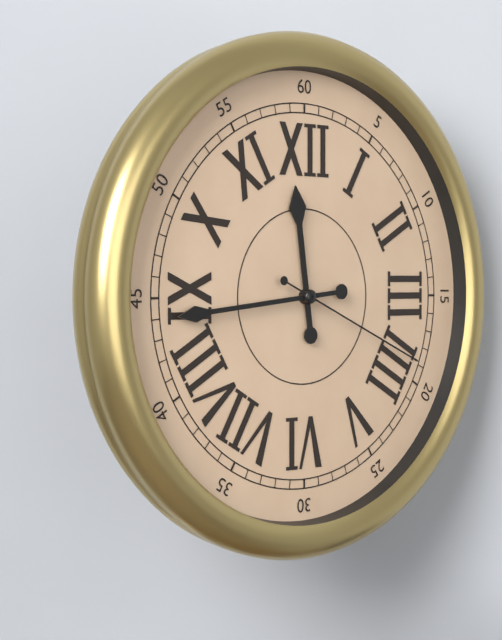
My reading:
11h44m19s
